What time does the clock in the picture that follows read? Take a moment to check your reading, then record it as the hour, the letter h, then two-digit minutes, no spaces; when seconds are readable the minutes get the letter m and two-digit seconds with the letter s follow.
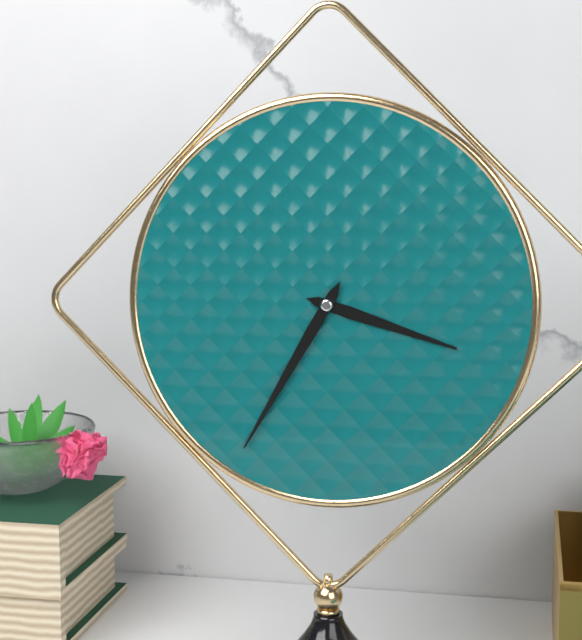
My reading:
3h35
